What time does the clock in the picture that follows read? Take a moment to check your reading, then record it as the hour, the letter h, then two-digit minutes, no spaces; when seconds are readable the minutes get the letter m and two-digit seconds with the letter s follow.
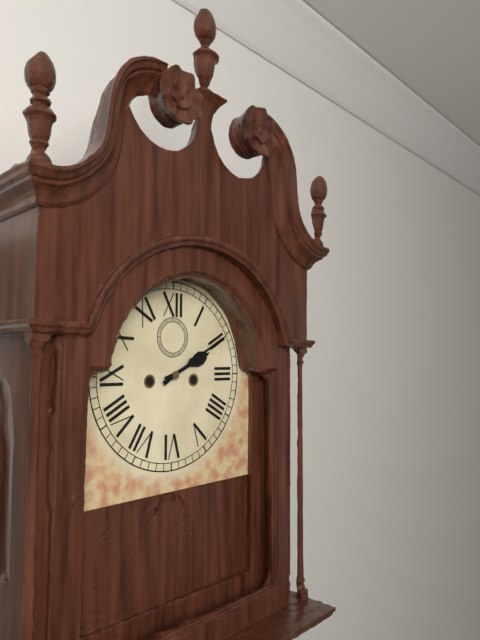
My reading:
2h10
